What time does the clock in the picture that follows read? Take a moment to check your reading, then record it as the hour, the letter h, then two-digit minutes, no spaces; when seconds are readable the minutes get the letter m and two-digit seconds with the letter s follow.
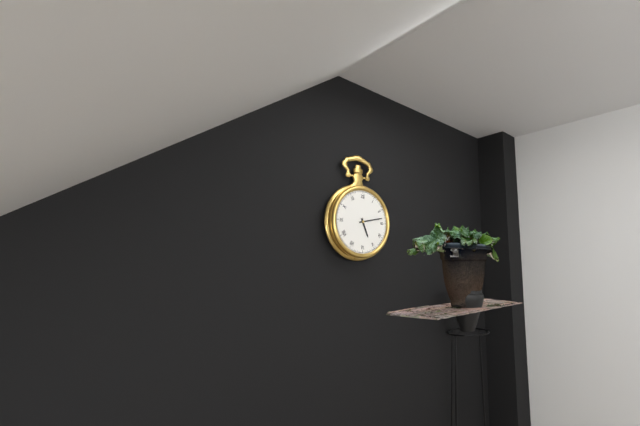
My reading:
5h13
